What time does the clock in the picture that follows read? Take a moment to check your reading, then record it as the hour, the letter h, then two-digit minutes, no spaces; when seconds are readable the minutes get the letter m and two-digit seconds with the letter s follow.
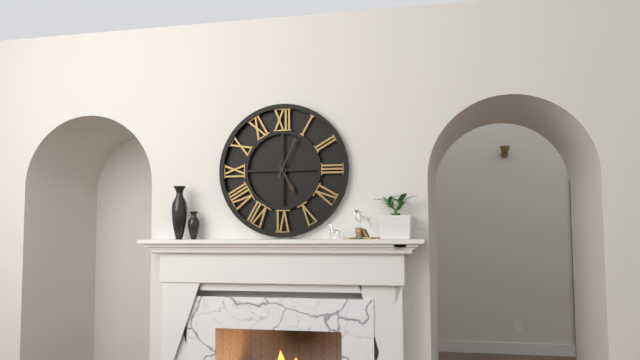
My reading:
5h04
